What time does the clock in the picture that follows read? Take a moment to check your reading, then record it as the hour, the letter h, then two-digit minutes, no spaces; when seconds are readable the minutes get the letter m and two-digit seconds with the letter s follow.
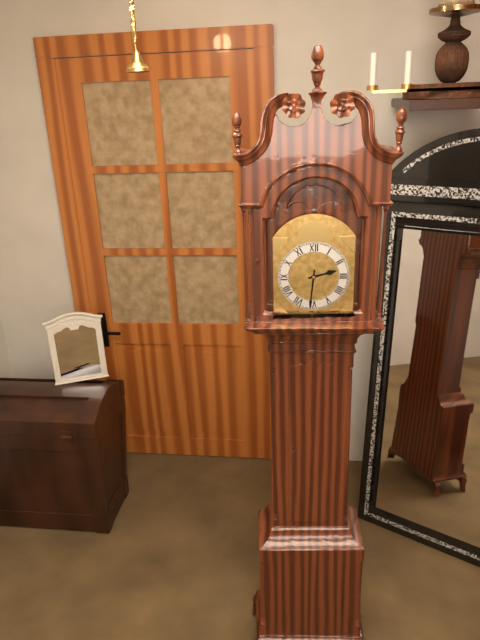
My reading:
2h31
